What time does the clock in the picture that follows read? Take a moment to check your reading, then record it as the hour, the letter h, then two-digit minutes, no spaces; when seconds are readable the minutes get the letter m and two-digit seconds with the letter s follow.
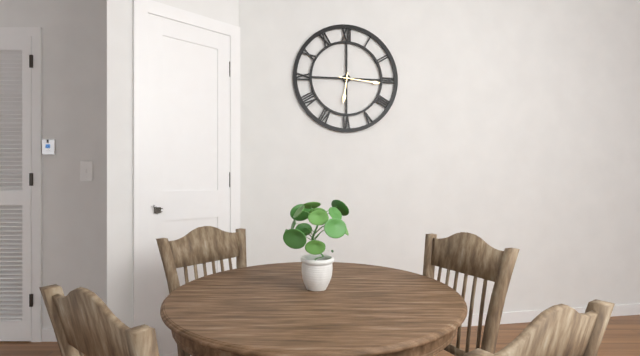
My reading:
6h16
